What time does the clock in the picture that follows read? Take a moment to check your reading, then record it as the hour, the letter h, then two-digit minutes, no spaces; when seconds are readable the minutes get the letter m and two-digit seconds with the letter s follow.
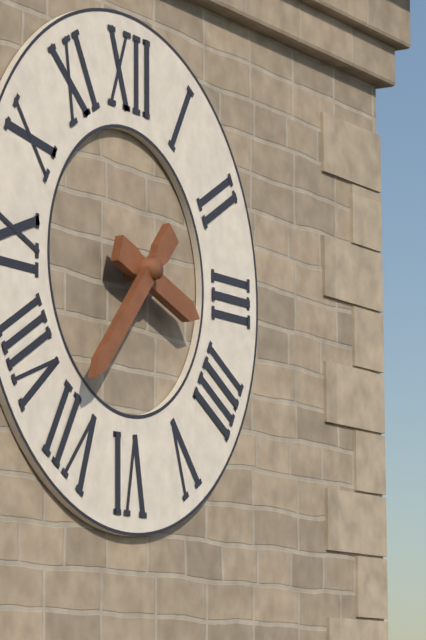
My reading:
3h37
